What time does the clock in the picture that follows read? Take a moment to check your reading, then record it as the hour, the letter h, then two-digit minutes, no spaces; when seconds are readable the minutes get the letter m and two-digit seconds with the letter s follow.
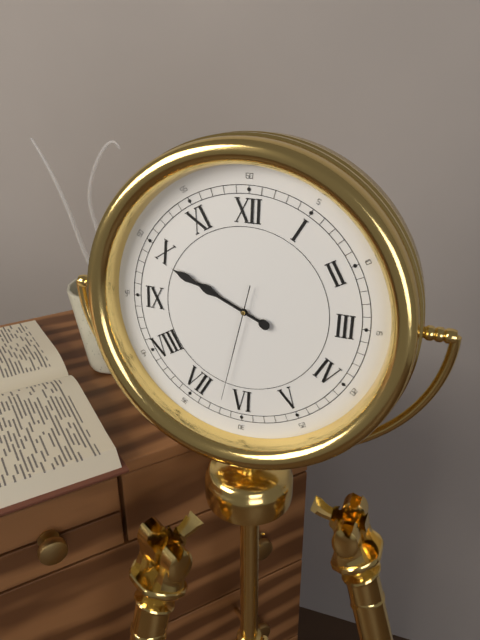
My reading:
9h49m32s
